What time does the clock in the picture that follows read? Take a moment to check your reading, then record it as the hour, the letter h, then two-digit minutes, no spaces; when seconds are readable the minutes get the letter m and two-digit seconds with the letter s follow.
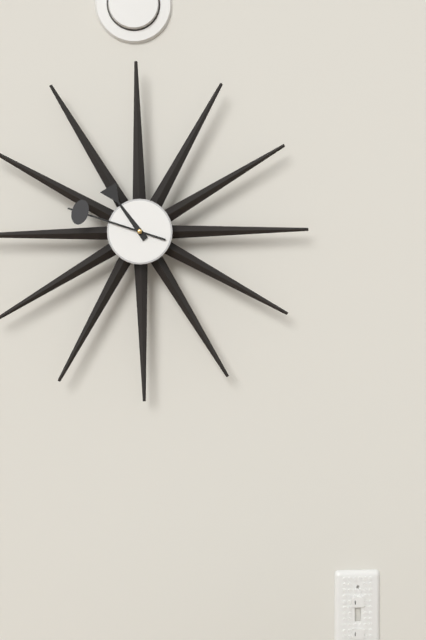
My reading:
10h48
